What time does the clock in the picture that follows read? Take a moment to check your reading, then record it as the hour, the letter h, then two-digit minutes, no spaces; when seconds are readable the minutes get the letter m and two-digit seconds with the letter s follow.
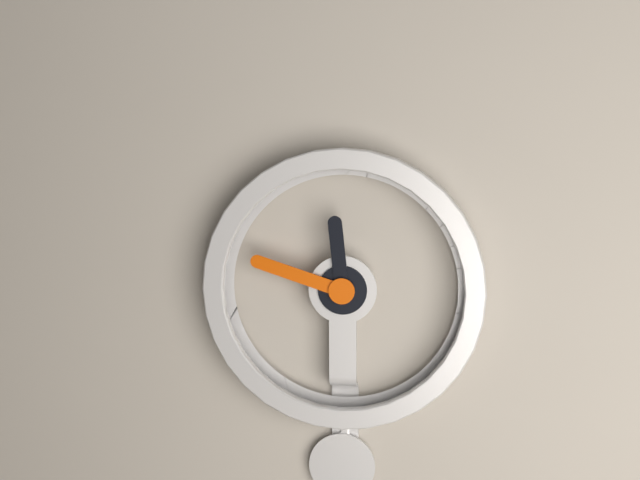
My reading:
11h48
